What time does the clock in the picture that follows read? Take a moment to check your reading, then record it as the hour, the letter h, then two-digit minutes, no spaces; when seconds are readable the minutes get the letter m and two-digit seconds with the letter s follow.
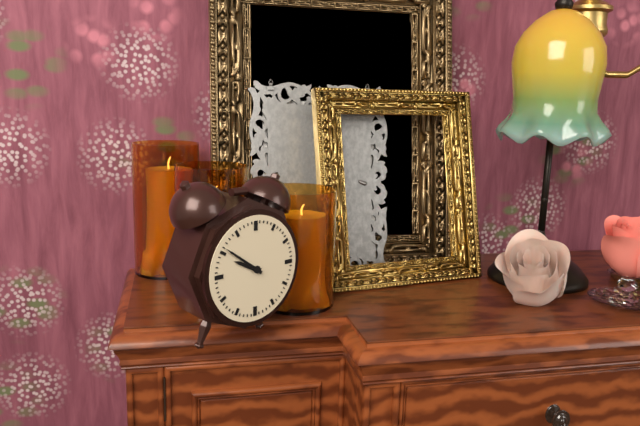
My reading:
9h51
